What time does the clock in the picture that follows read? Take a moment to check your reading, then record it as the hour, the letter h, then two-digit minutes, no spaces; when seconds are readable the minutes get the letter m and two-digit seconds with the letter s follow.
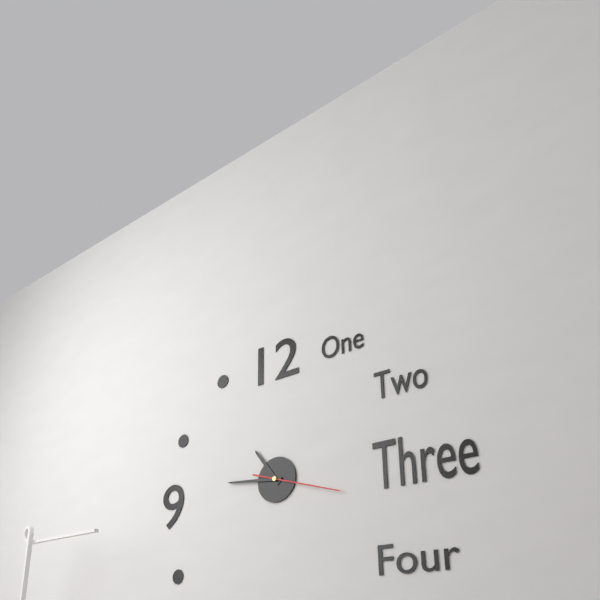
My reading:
10h46m18s
